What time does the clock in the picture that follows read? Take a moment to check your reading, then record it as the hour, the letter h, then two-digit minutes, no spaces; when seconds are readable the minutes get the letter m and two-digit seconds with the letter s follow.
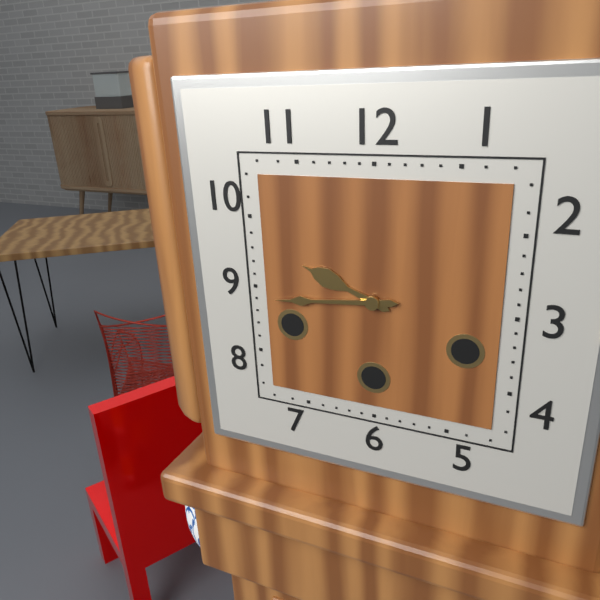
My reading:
9h44
